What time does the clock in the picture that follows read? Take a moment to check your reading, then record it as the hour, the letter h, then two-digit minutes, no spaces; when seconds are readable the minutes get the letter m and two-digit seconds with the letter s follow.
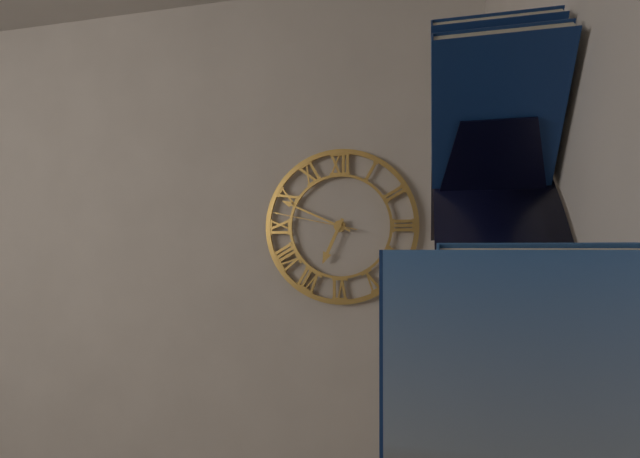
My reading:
6h49m47s
